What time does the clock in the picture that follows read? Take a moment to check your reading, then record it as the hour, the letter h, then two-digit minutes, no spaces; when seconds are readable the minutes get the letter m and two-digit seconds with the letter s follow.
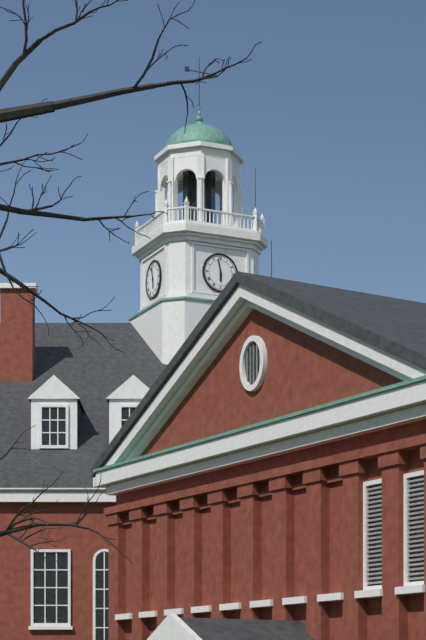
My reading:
5h58
